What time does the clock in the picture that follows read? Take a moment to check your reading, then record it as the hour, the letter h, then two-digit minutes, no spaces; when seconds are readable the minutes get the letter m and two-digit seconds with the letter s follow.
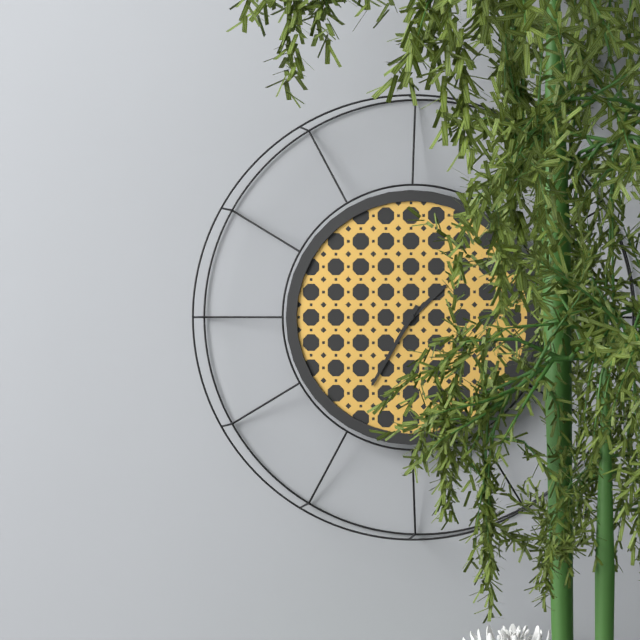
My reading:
1h35
